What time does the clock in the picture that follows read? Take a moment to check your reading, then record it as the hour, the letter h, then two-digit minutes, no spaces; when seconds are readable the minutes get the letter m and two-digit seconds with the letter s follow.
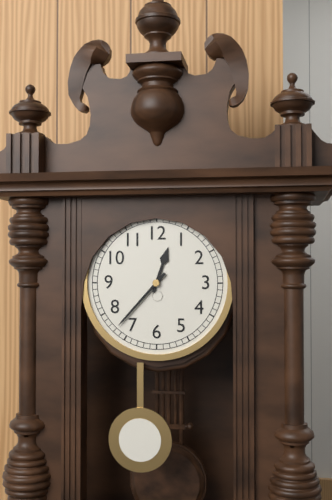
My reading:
12h37
